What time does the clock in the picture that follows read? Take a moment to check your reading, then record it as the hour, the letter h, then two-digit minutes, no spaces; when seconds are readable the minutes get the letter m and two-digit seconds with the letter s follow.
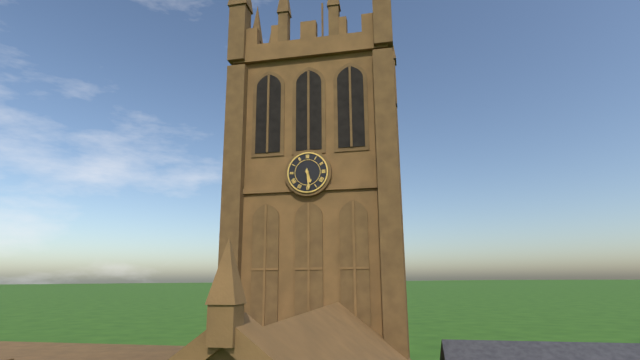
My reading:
5h29
